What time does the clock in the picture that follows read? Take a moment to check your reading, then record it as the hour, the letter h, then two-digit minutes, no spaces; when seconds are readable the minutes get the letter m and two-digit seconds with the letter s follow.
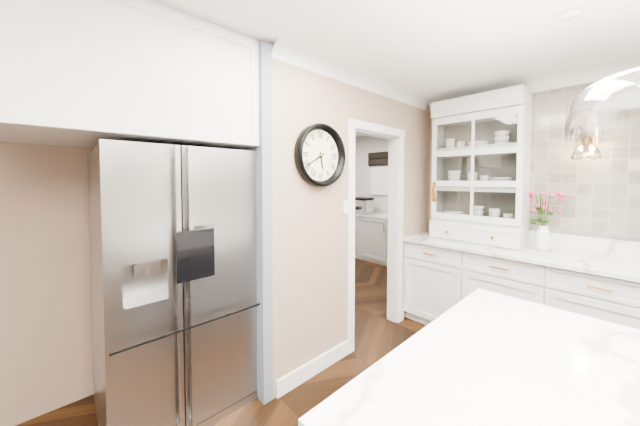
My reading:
5h40
